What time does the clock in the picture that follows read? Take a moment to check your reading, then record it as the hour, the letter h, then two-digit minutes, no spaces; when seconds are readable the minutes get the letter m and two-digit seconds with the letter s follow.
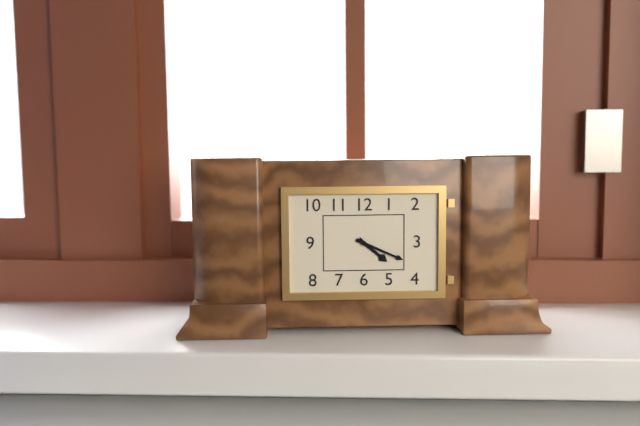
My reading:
4h19
